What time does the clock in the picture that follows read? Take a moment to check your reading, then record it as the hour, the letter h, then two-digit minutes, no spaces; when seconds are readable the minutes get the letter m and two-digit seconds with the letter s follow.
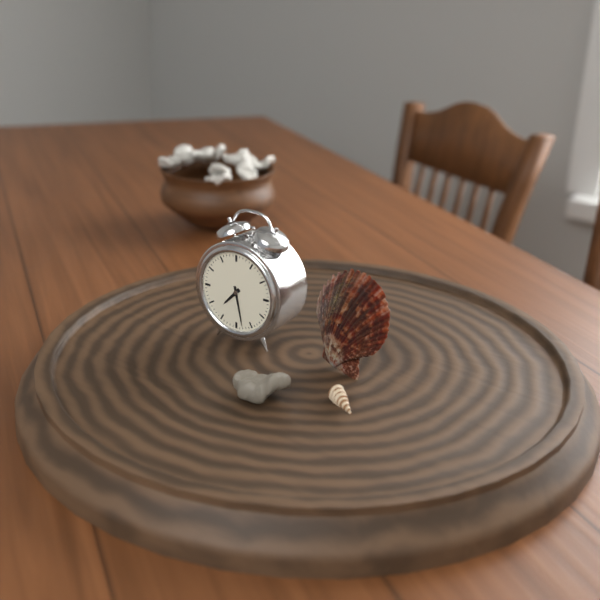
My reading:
7h28
